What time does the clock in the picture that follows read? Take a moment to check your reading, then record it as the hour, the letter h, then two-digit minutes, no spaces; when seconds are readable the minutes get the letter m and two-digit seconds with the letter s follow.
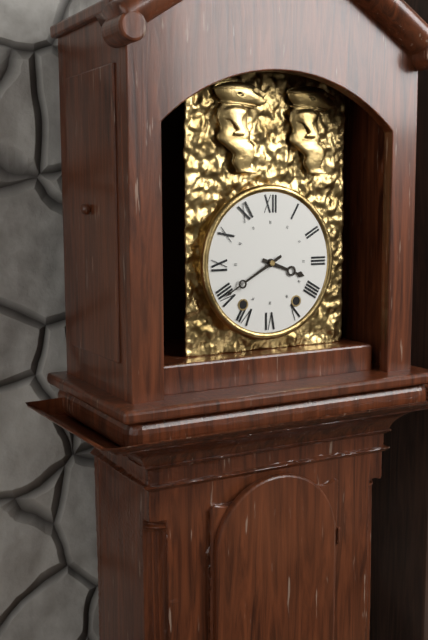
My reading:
3h40
